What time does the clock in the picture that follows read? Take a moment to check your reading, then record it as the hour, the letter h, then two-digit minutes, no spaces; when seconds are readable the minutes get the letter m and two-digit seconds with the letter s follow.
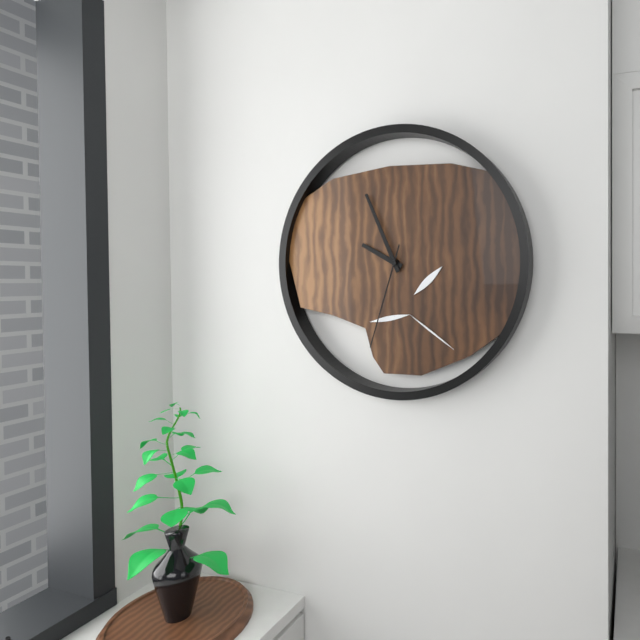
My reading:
9h56m33s
